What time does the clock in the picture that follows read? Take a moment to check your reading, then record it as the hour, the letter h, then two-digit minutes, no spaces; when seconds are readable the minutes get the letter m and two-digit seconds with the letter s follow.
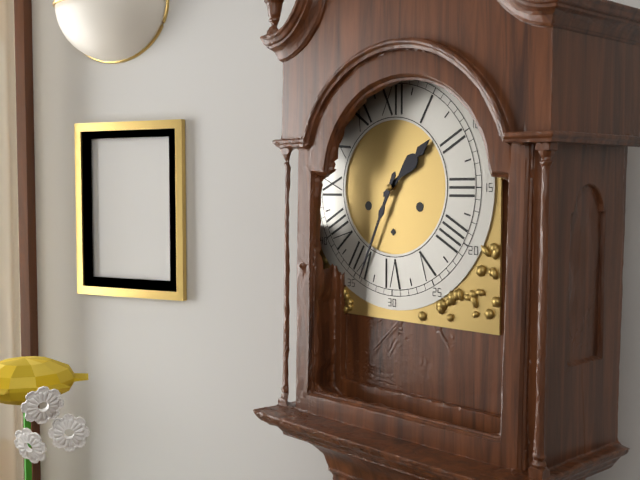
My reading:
1h34
